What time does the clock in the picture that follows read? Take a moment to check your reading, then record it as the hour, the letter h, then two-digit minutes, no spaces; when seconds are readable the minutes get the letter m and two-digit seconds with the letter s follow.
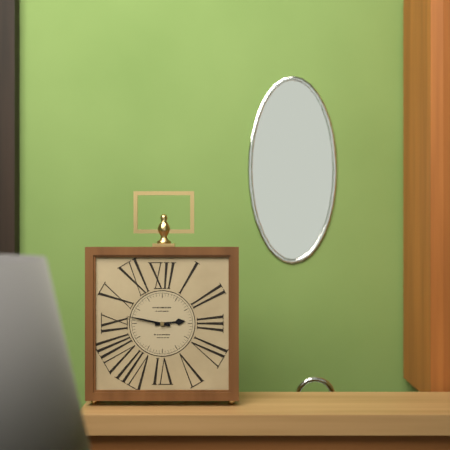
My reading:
2h47
